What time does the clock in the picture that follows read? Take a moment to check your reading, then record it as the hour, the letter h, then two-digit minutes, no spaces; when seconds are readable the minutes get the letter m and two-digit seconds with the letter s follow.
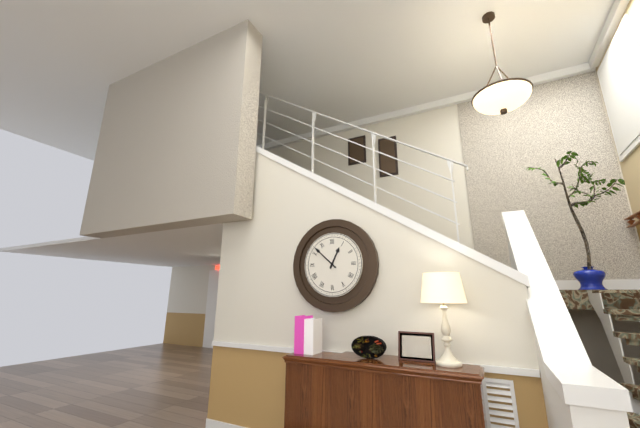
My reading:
12h52
